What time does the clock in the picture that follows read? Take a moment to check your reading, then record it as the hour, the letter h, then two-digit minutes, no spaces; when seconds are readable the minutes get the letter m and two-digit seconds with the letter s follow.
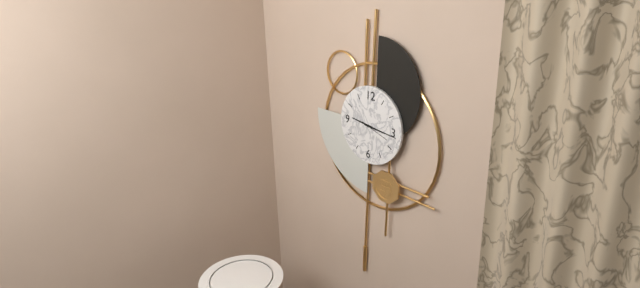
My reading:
9h16
